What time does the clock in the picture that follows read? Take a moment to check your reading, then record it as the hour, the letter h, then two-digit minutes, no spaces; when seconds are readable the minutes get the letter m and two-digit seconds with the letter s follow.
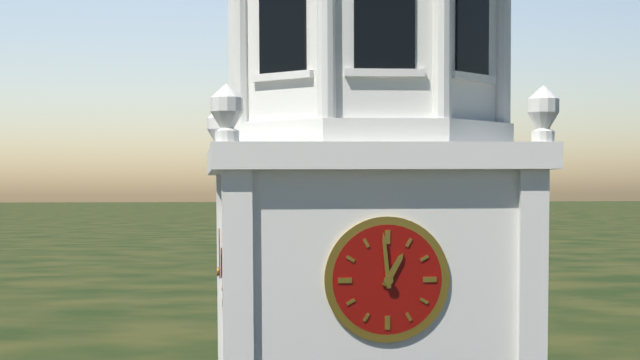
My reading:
12h59
